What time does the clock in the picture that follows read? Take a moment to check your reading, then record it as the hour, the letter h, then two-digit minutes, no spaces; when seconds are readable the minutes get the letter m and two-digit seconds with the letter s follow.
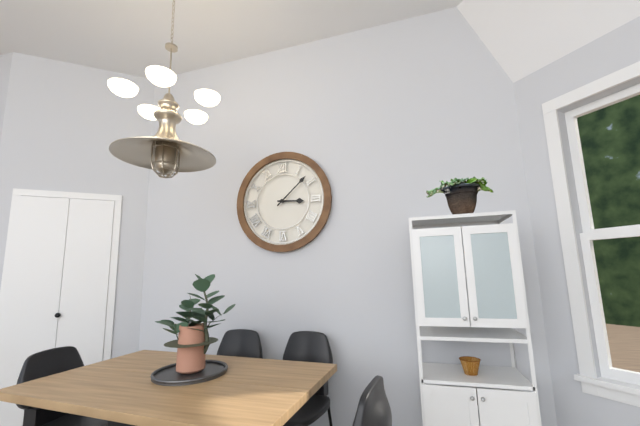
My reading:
3h08
